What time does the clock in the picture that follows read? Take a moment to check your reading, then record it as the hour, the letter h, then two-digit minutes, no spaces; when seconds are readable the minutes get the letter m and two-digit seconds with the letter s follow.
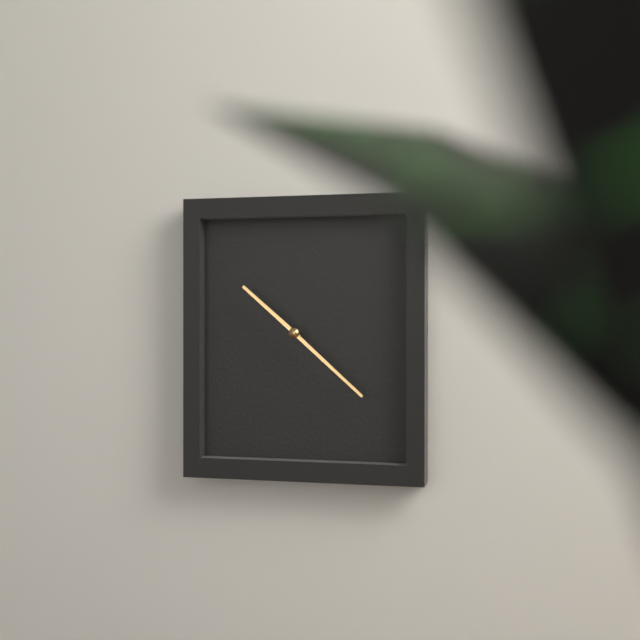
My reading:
10h22
